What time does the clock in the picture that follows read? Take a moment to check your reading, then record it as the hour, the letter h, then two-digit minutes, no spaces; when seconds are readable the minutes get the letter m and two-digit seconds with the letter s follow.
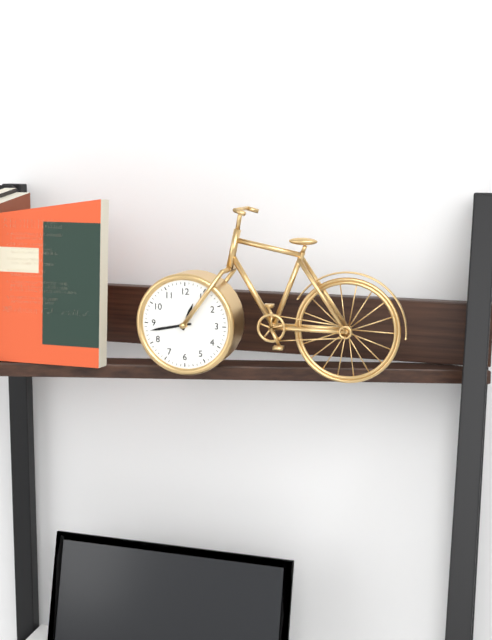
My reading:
12h43
